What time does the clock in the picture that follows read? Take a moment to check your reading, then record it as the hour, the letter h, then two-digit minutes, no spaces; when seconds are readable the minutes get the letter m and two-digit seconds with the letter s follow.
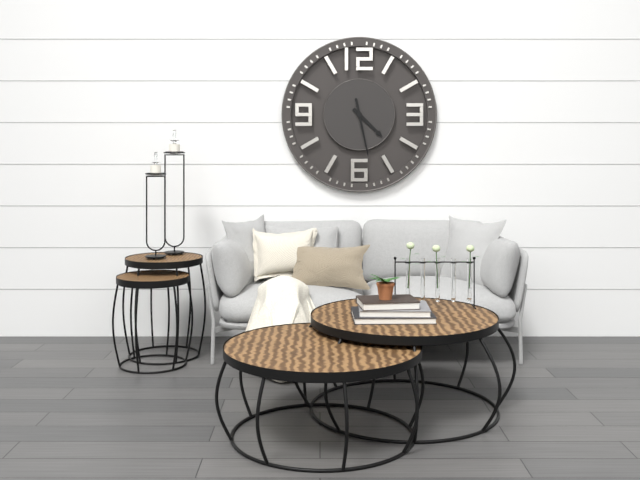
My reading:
4h28
